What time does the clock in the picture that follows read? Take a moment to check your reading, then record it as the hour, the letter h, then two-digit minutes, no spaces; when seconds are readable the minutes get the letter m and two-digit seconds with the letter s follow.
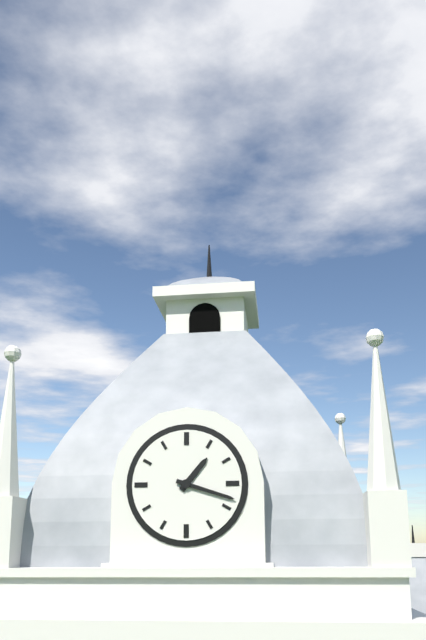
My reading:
1h18
